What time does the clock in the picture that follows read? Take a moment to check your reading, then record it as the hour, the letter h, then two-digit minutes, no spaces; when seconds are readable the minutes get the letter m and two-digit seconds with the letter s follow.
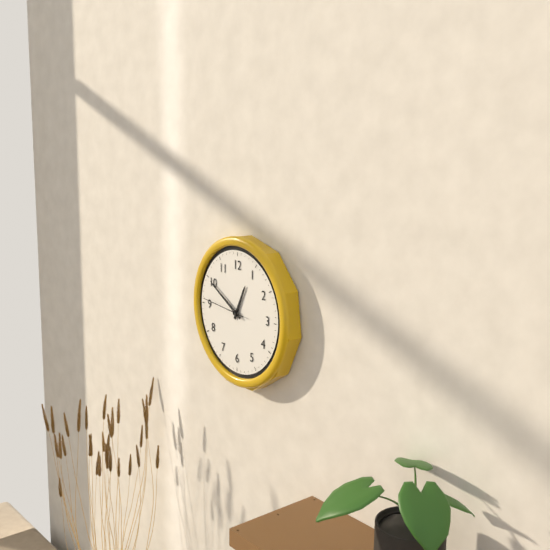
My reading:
12h50
